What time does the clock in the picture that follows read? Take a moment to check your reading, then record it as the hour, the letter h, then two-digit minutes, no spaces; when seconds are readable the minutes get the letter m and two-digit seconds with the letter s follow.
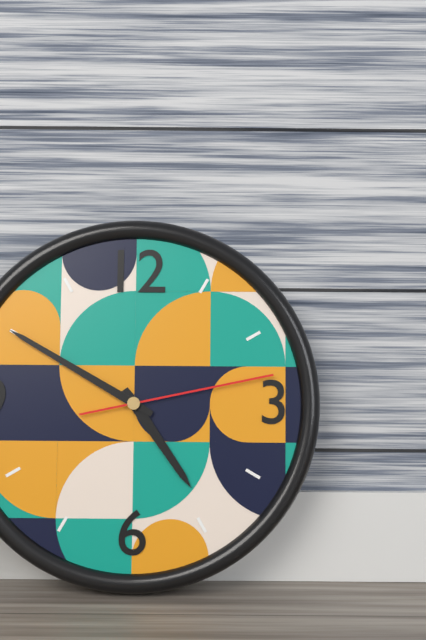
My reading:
4h50m13s
